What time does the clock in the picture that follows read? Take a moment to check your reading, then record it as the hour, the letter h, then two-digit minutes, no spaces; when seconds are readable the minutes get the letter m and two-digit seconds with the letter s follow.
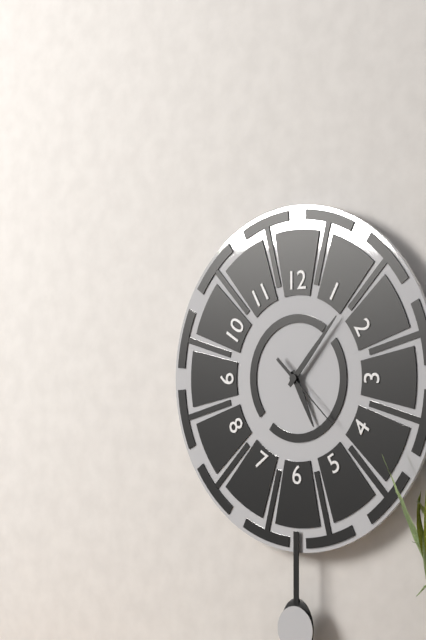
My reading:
5h07m22s
